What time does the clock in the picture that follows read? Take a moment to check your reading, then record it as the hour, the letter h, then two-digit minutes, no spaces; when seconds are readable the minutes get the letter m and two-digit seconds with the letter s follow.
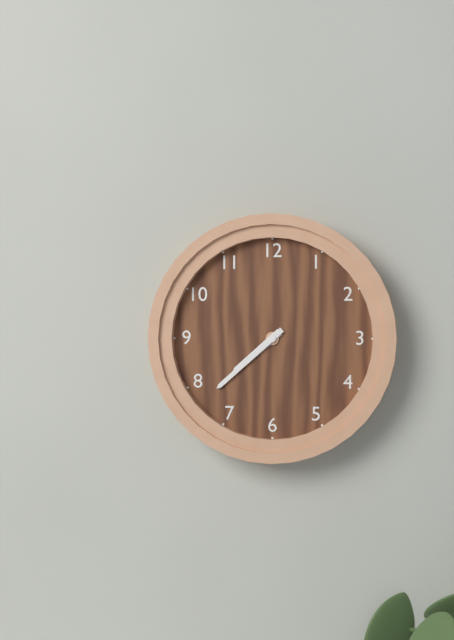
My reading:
7h38
